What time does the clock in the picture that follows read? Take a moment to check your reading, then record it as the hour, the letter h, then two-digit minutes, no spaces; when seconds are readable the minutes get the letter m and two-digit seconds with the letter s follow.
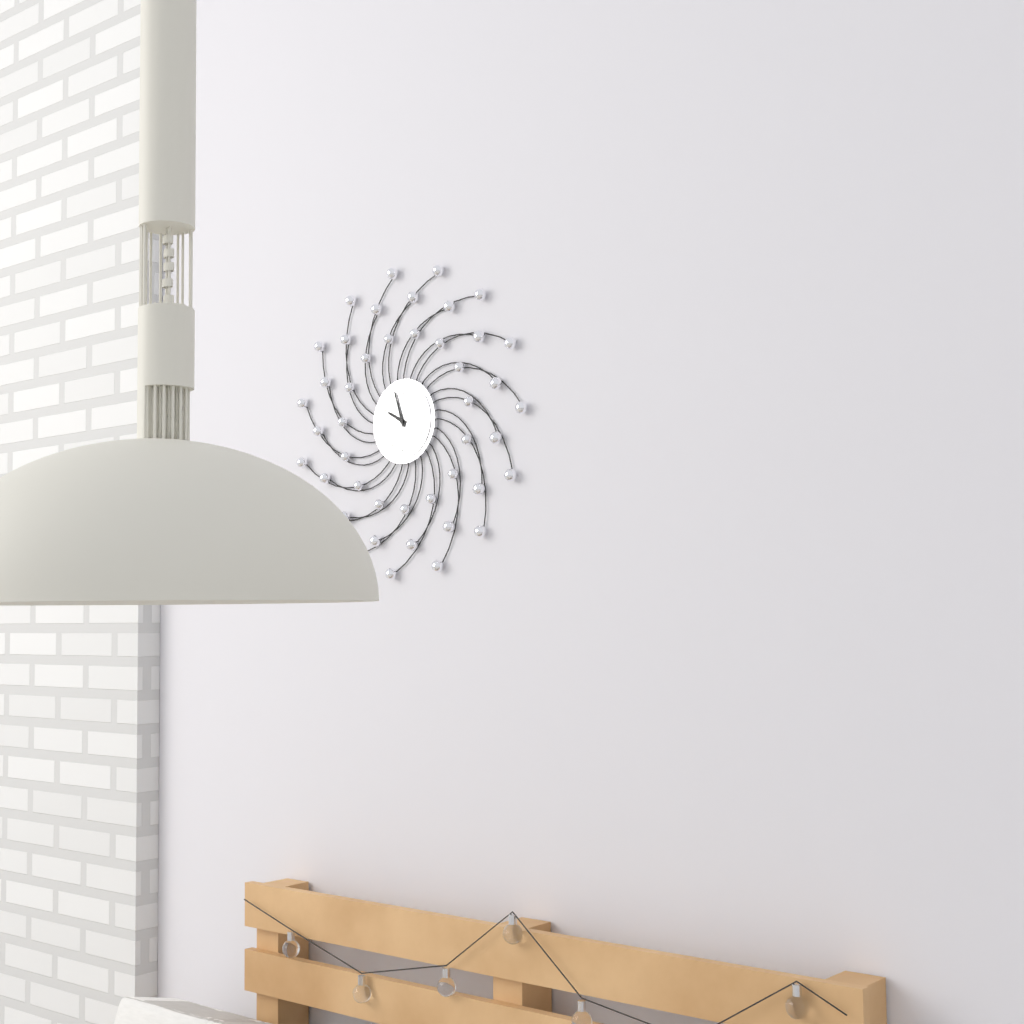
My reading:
9h57
